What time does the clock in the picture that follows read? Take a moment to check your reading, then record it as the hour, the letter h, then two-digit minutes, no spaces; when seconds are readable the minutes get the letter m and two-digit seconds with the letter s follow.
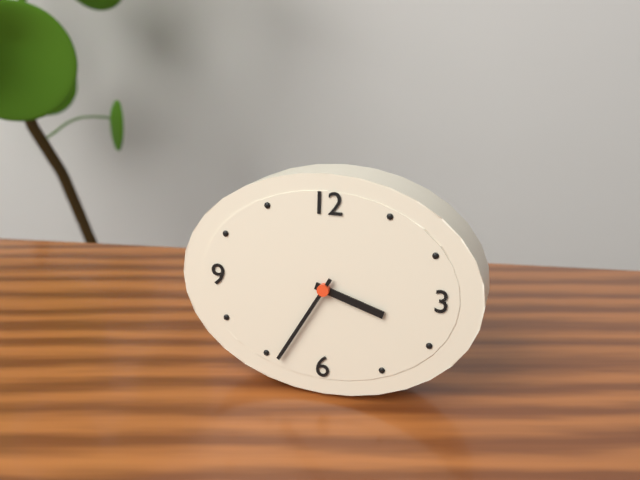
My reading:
3h35
